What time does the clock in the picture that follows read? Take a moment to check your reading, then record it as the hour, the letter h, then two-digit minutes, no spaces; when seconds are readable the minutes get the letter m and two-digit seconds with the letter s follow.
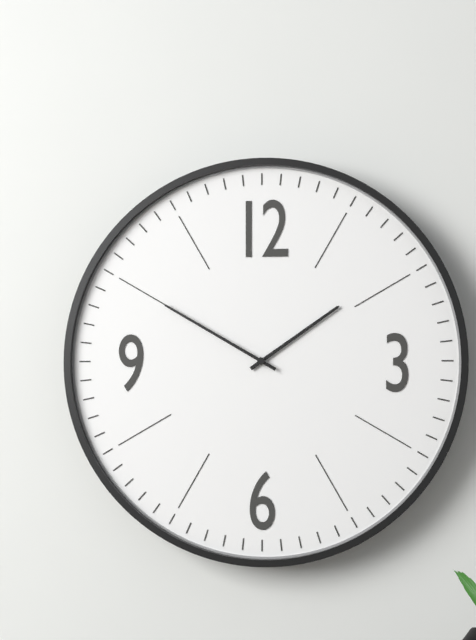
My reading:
1h50
